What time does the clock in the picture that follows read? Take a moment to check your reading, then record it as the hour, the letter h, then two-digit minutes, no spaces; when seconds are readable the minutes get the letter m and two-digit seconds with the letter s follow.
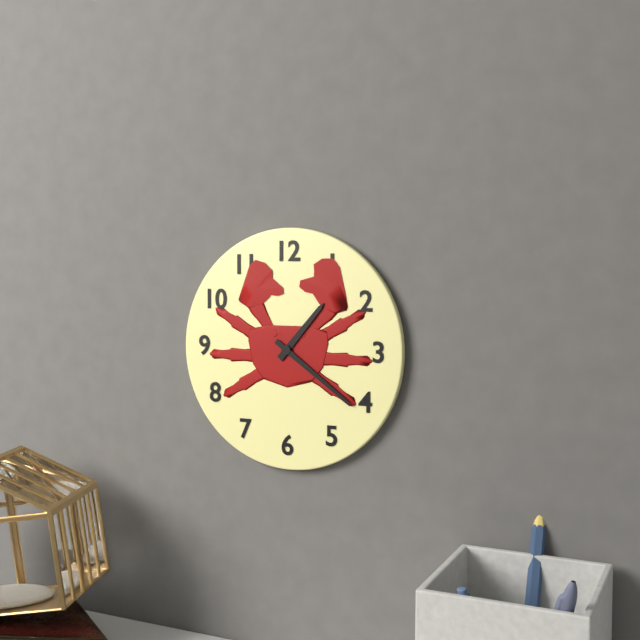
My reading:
1h21
